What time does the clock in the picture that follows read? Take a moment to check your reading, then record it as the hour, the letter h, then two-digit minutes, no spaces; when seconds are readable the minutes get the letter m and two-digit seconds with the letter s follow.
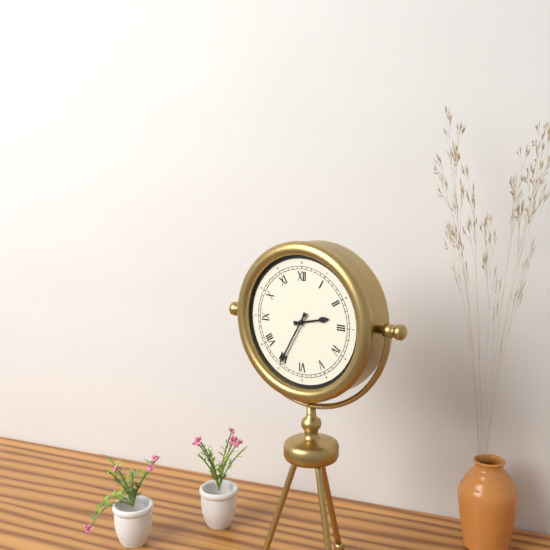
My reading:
2h35
